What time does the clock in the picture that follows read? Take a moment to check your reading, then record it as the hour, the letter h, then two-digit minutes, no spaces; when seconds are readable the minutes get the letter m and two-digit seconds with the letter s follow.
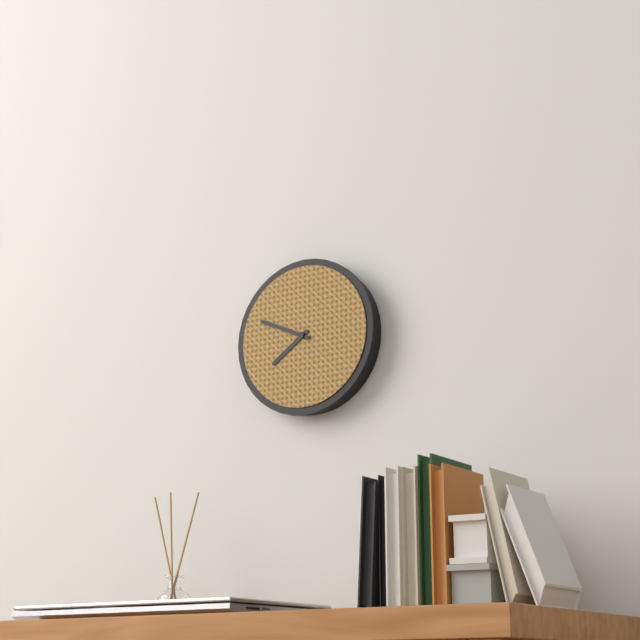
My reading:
7h49
